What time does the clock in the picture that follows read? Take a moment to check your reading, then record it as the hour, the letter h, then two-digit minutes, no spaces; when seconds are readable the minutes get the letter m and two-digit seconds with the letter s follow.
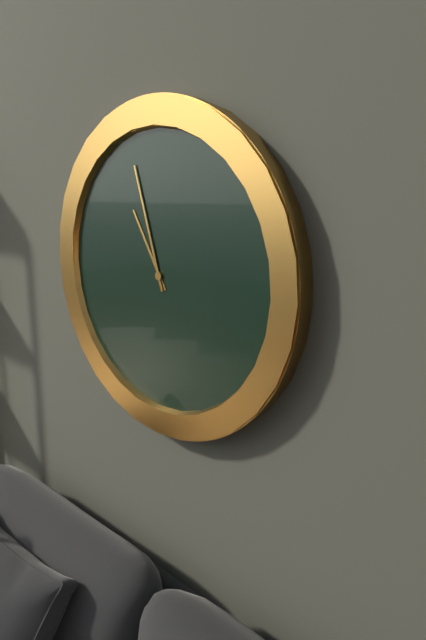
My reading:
10h57
